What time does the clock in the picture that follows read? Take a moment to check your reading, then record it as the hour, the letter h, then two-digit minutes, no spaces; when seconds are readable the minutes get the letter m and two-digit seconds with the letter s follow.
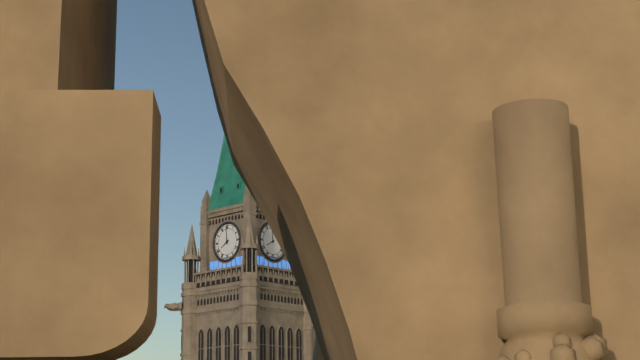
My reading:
7h59
